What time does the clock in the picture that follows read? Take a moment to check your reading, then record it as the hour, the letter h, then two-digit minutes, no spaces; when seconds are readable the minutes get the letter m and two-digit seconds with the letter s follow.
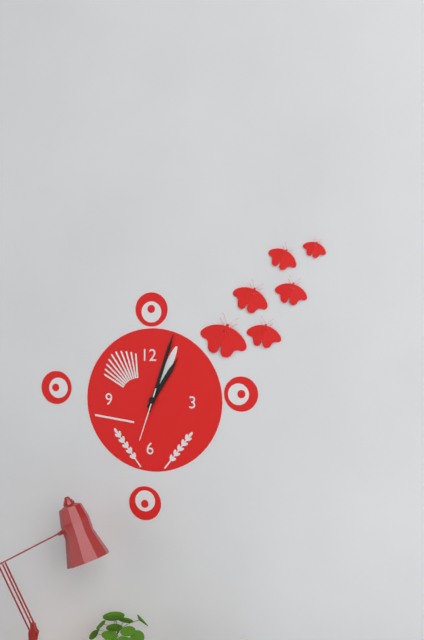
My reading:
1h03m33s
